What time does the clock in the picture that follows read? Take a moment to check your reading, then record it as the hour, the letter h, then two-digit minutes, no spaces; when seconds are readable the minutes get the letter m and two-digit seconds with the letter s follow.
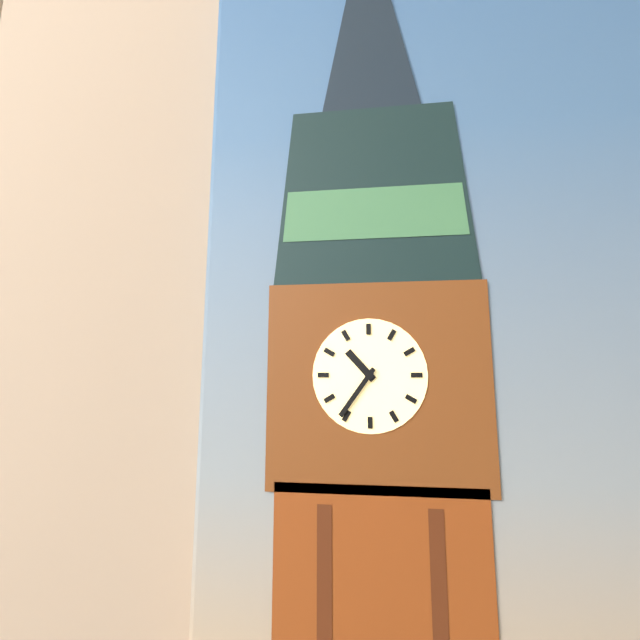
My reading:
10h36
